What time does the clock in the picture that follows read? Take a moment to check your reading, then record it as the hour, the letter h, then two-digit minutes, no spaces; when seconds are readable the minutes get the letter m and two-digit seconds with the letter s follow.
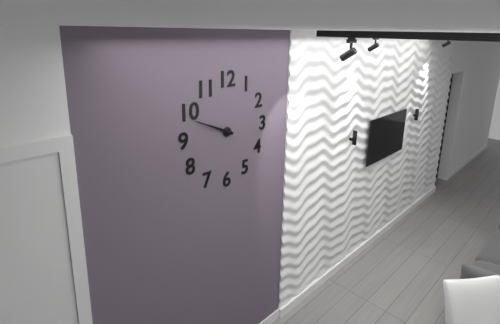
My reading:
9h49
